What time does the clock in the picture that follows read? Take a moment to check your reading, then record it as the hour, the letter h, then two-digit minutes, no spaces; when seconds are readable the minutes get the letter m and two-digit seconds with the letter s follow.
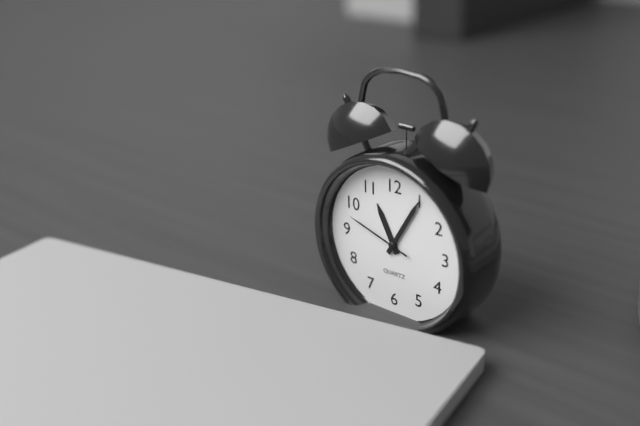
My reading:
11h05m48s
